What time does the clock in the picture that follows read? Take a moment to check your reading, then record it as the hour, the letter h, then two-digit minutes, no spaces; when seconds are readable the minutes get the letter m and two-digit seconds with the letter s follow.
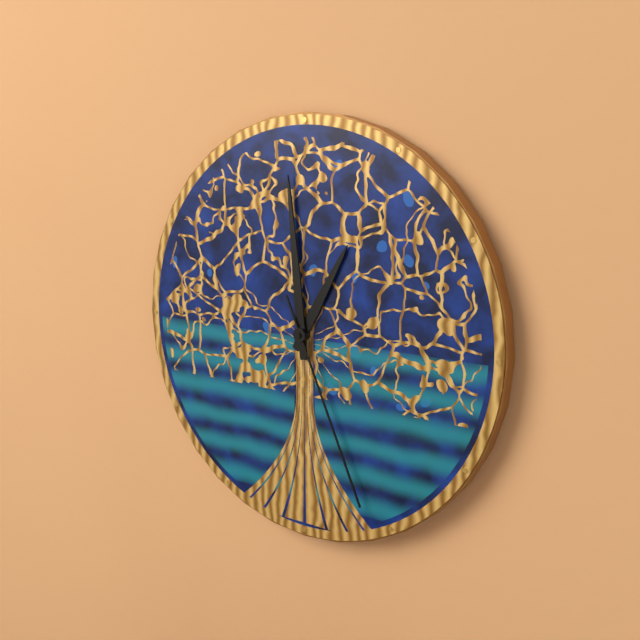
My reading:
12h59m26s
